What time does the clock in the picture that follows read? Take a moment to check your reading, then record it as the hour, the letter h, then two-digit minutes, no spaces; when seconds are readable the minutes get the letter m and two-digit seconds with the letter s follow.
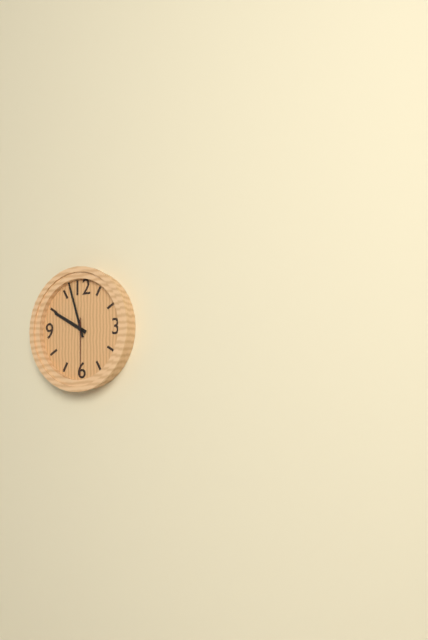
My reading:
9h57m30s
